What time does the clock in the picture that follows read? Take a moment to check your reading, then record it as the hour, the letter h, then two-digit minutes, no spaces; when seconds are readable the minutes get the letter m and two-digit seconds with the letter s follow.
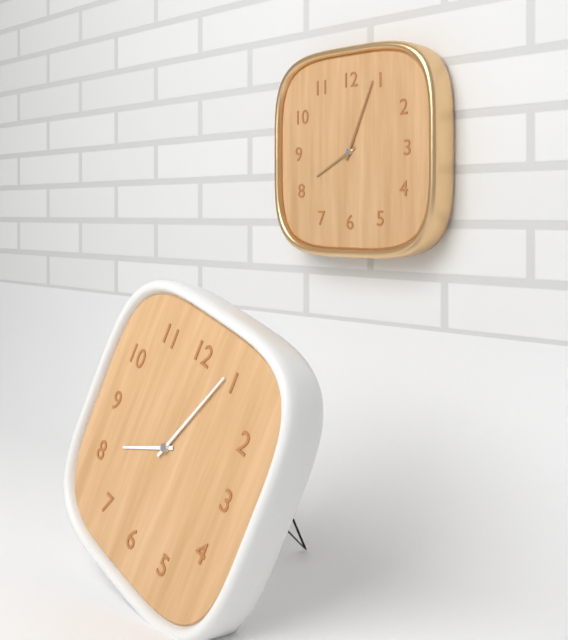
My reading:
8h04
